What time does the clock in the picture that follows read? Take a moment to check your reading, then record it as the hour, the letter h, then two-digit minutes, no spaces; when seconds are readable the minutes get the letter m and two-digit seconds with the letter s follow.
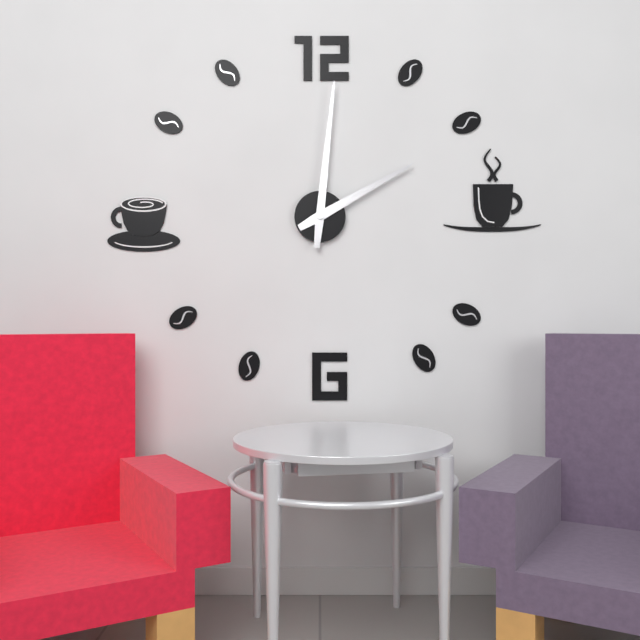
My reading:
2h01
